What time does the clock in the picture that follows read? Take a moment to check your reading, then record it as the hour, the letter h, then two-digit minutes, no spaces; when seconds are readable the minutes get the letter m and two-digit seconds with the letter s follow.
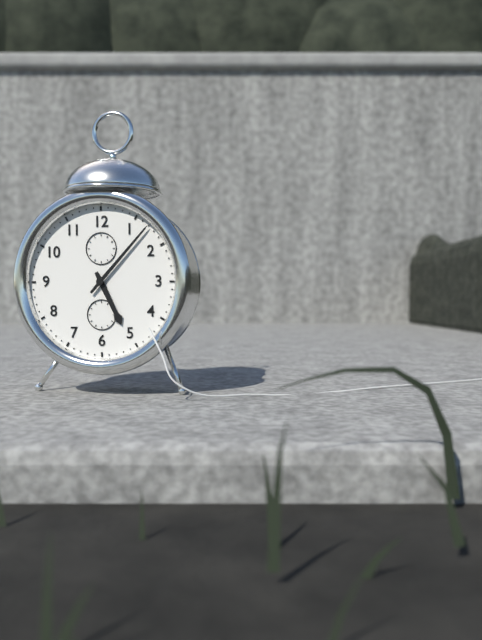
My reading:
5h07
